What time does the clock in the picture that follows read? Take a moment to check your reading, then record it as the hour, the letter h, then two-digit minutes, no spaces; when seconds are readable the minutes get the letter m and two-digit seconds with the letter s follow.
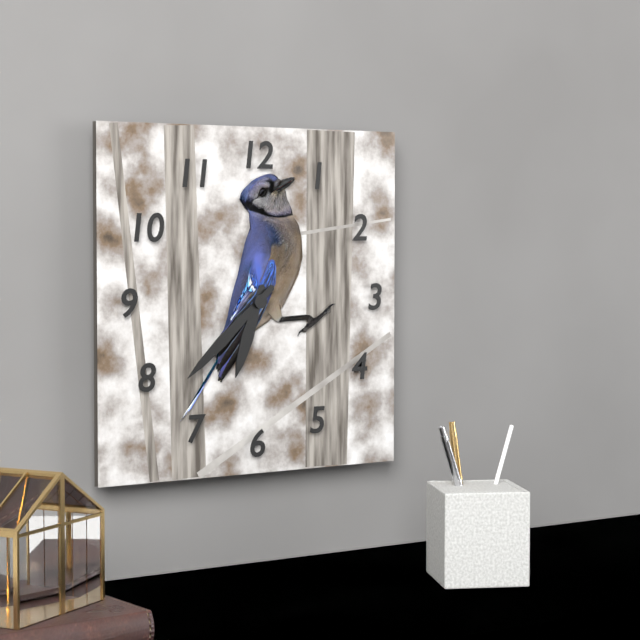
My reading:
6h38
